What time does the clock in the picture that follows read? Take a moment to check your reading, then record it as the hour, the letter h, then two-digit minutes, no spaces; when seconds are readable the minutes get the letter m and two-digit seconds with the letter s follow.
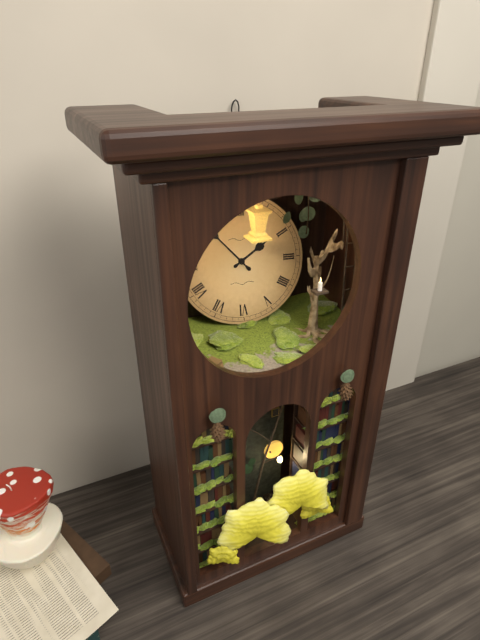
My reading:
1h53
